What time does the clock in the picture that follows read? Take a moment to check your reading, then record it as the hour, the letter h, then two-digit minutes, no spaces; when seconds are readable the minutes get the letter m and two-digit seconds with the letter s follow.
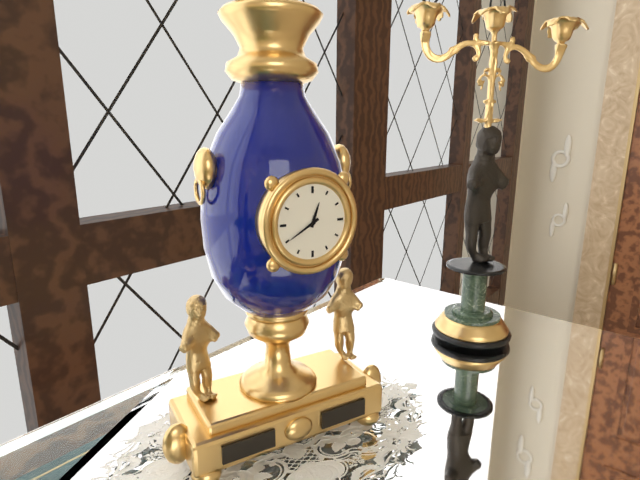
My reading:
12h40
